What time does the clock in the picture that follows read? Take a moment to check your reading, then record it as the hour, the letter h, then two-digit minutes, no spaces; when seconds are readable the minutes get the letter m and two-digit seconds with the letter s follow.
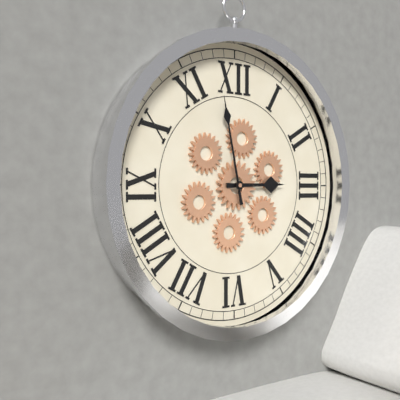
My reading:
2h58
